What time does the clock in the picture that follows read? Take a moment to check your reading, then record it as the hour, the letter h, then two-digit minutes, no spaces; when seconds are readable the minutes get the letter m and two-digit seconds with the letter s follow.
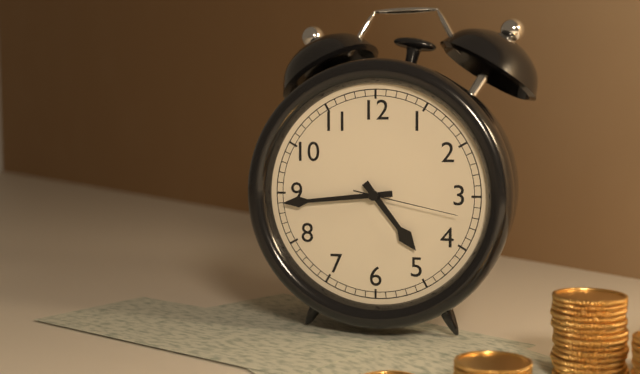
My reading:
4h44m17s
